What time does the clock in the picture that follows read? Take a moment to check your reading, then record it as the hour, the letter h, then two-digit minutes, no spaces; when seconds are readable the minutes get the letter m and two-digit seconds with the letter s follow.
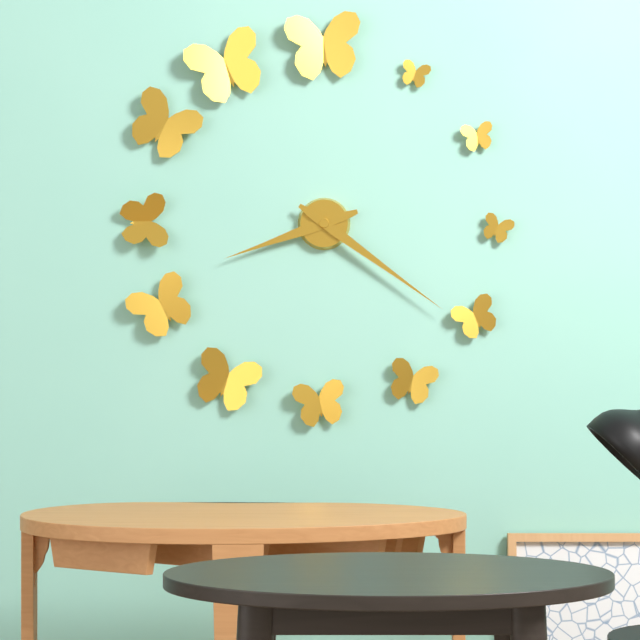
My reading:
8h21
